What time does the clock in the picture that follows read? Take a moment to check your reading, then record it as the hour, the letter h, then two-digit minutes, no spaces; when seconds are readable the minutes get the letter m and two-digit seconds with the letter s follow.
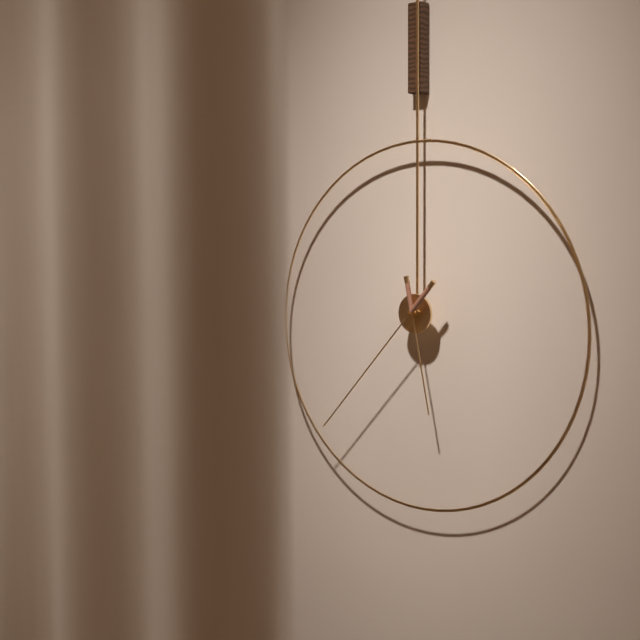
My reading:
5h37
